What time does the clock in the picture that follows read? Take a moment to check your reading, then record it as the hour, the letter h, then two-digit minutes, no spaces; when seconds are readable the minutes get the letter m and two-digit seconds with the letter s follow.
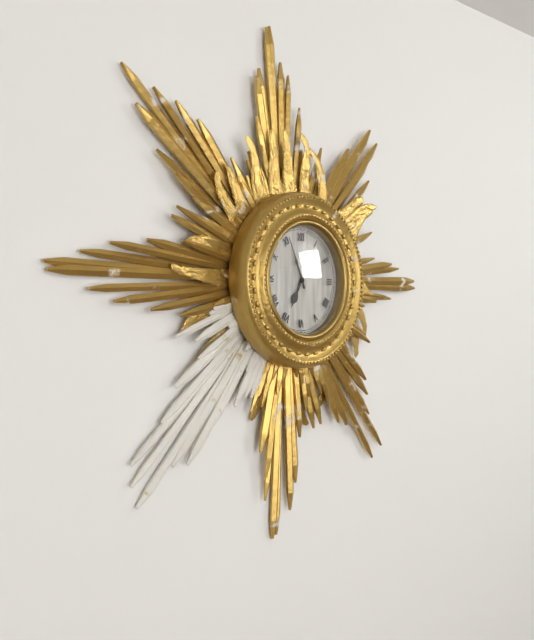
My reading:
6h56
